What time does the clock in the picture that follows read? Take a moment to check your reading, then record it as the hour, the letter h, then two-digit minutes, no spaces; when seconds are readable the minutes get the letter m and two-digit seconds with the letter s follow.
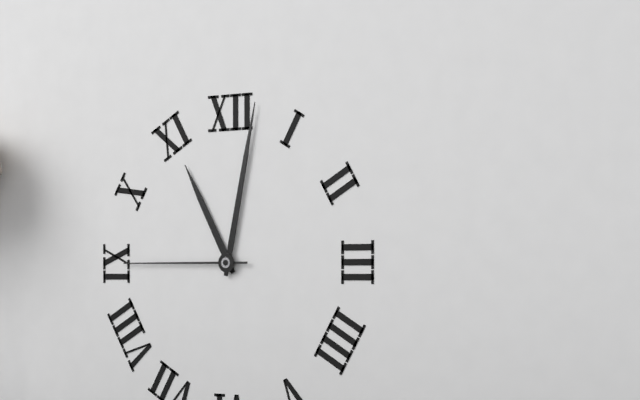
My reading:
11h02m45s
